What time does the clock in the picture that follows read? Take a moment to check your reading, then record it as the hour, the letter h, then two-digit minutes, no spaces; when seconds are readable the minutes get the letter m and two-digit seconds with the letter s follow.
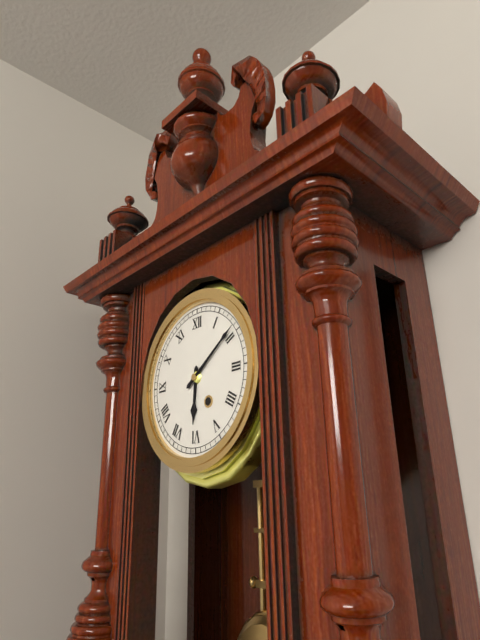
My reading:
6h09
